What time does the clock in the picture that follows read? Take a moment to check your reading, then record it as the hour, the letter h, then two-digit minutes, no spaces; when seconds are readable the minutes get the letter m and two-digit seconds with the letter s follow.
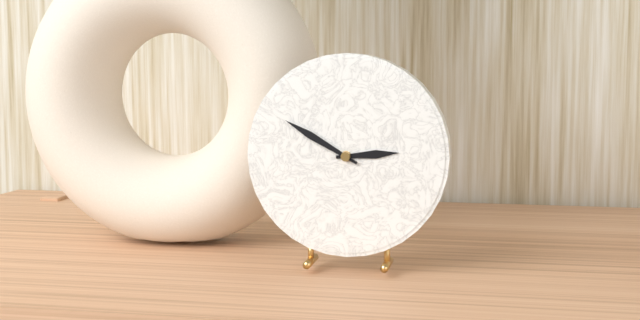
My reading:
2h50
